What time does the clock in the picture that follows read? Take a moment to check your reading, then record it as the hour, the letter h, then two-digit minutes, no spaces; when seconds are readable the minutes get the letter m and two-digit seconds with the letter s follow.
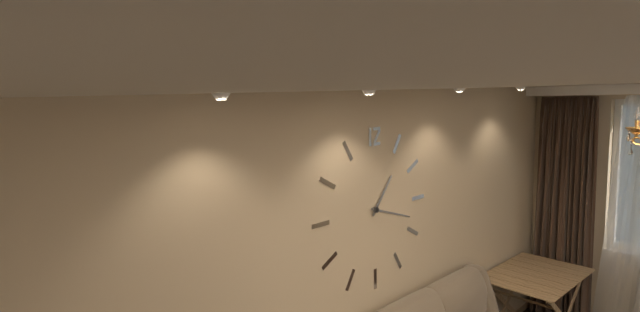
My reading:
1h18
